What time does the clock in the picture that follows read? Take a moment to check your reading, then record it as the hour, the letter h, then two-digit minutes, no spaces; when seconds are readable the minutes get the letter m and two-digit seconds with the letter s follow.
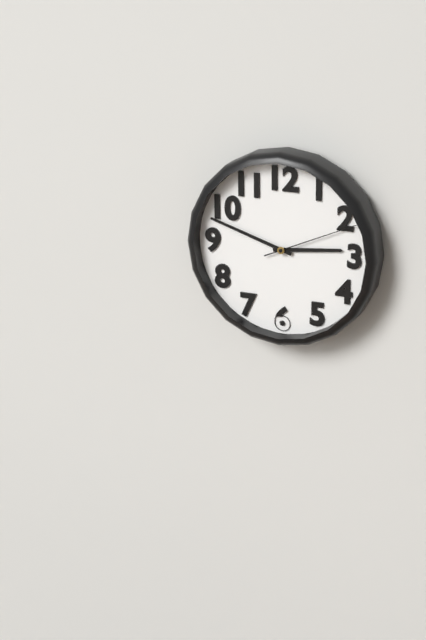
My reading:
2h48m11s
